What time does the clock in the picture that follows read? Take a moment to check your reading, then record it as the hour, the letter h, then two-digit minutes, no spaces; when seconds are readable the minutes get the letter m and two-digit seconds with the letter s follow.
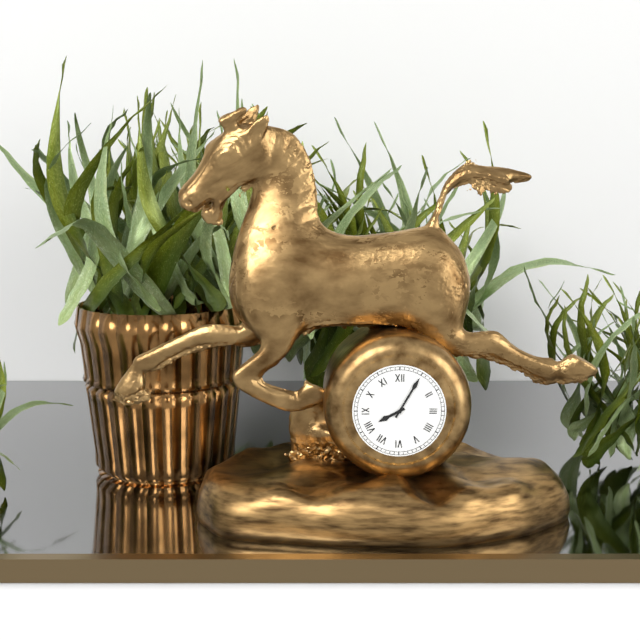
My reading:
8h05
